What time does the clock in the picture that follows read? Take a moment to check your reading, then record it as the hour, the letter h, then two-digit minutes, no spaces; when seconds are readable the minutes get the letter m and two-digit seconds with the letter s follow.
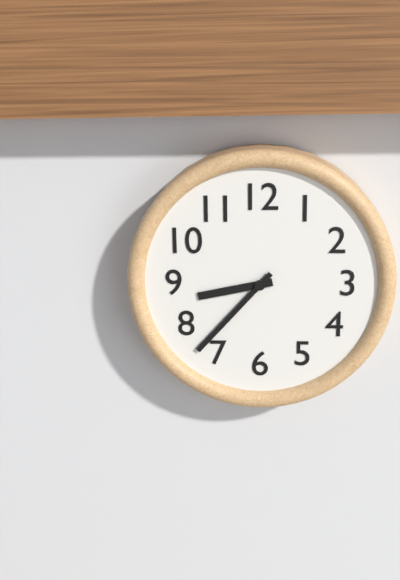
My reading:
8h37
